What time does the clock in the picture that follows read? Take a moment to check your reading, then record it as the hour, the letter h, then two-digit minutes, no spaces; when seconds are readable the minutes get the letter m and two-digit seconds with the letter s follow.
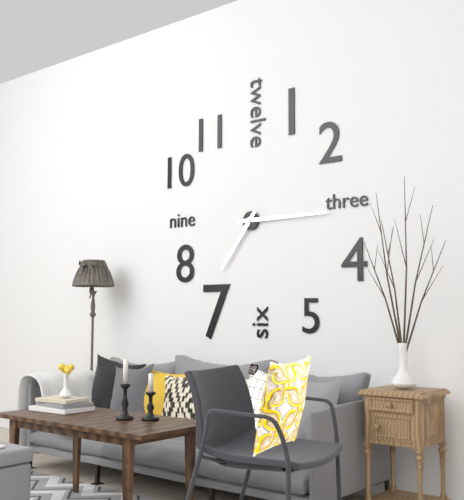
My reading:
7h15
